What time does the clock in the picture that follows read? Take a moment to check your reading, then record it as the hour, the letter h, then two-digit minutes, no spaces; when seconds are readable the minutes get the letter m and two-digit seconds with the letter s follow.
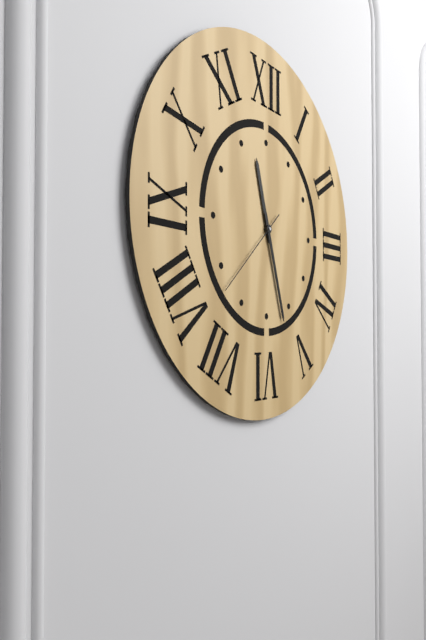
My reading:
11h27m38s
